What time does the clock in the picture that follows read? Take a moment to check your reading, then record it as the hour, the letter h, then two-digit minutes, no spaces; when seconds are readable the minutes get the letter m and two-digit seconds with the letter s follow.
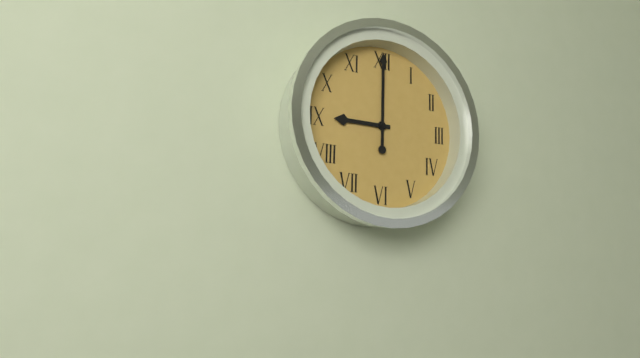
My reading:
9h00
